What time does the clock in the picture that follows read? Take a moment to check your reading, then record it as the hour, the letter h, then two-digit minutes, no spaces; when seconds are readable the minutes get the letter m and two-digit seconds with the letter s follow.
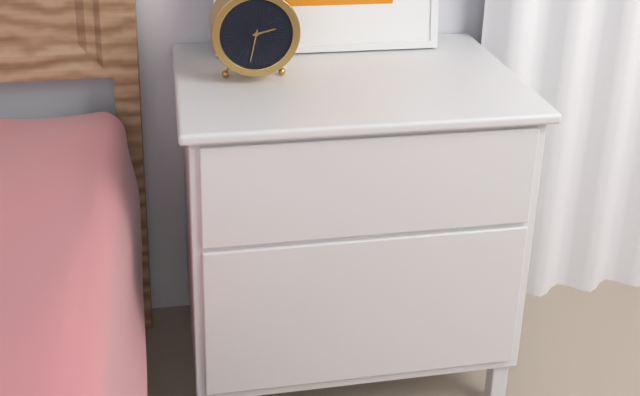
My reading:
2h32
